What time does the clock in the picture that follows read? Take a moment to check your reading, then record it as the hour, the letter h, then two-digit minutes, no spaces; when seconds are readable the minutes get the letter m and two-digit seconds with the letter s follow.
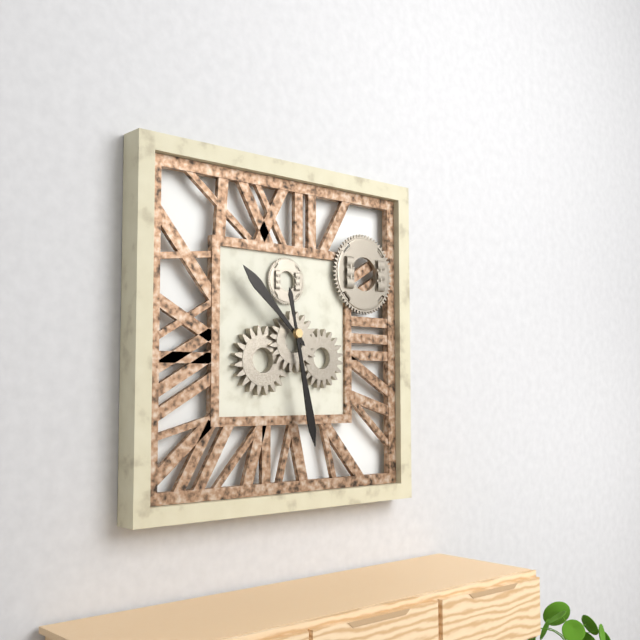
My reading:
10h28
